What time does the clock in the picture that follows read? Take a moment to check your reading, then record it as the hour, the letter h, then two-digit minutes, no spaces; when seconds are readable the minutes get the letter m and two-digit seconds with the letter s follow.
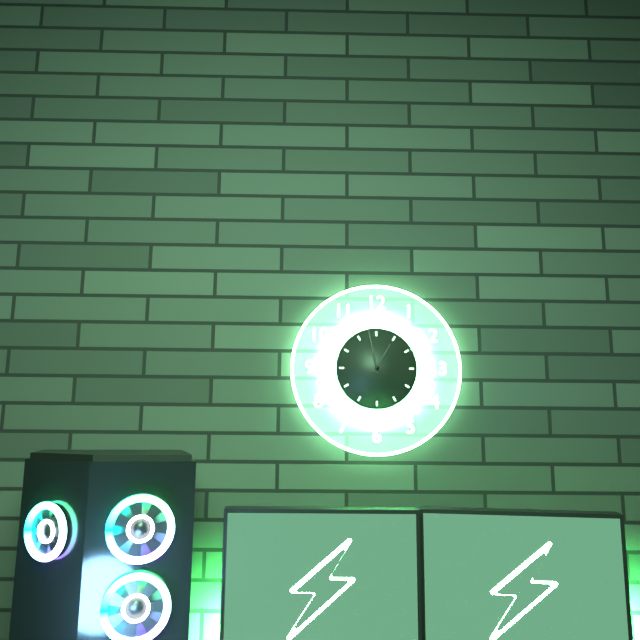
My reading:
12h58
